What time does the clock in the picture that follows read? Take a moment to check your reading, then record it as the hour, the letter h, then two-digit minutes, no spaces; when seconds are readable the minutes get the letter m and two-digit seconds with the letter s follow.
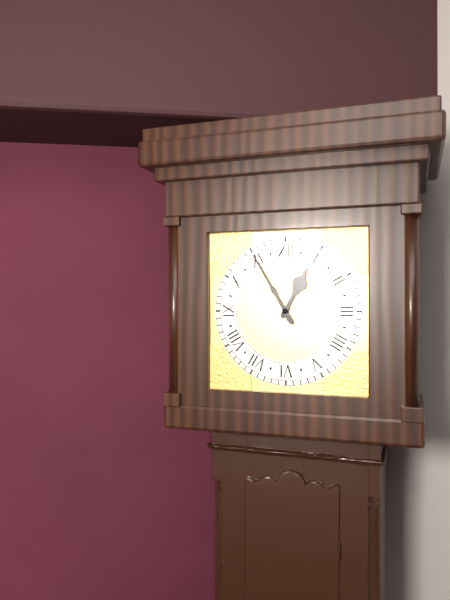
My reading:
12h55
